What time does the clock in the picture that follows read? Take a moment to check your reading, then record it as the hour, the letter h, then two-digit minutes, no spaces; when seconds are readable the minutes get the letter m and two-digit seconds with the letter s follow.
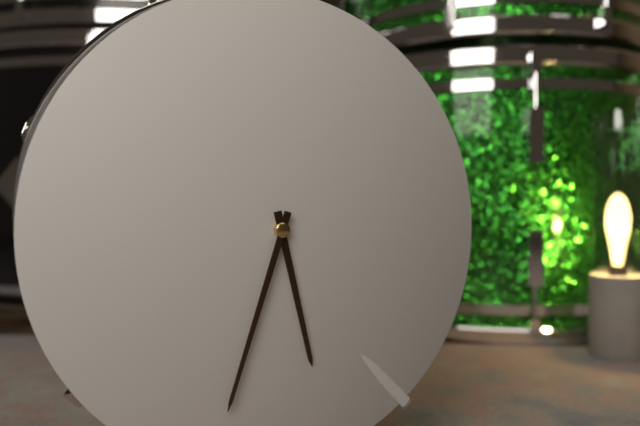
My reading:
5h33
